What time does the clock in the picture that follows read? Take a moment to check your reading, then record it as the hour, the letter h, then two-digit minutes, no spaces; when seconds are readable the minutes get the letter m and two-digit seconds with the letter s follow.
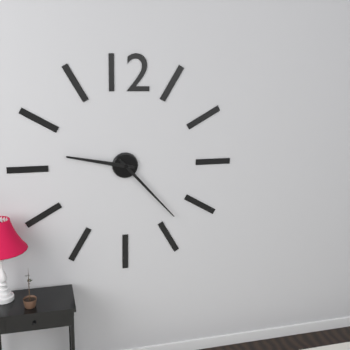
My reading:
9h23
